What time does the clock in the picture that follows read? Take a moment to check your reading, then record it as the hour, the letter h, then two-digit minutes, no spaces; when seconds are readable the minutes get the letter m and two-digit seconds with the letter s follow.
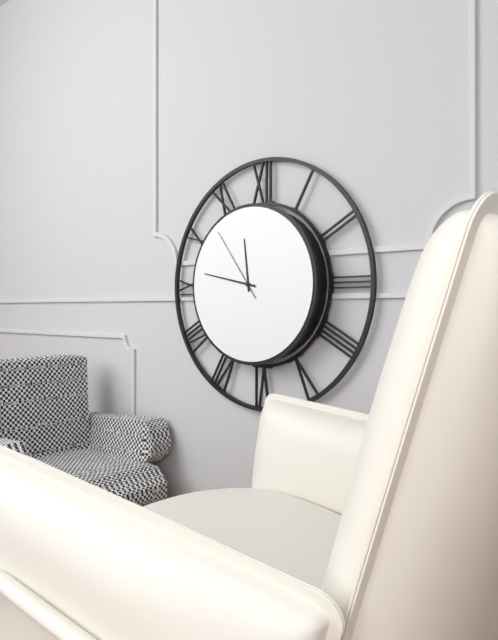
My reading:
11h47m54s
